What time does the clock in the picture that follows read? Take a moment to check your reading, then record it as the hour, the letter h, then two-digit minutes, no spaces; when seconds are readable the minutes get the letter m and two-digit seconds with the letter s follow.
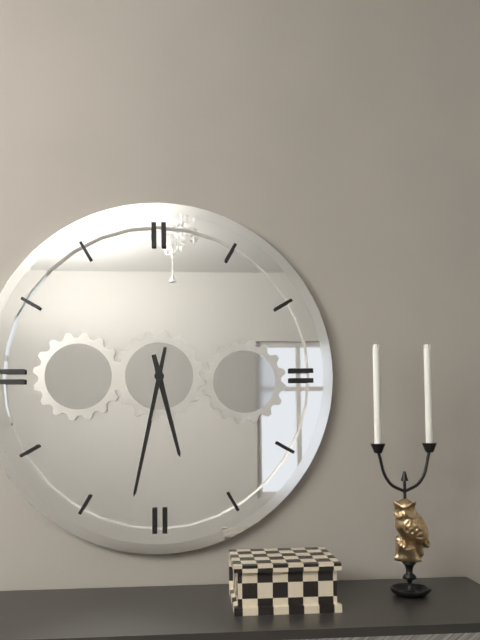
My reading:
5h32
